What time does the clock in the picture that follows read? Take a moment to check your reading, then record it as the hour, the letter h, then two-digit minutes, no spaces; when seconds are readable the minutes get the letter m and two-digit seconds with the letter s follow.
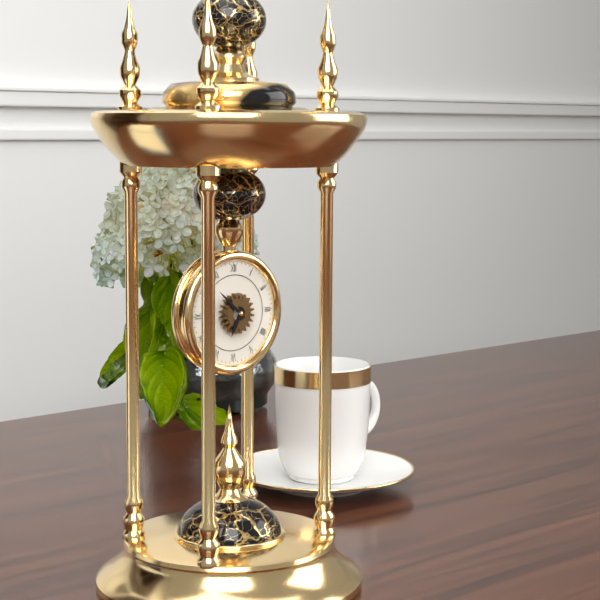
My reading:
6h52
